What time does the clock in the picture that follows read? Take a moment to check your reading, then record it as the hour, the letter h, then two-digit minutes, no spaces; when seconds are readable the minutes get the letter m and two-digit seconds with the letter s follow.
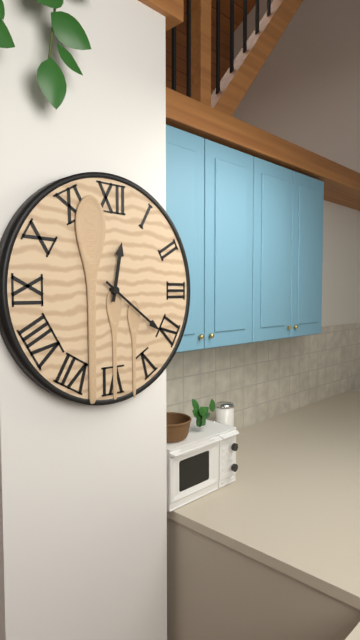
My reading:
12h21
